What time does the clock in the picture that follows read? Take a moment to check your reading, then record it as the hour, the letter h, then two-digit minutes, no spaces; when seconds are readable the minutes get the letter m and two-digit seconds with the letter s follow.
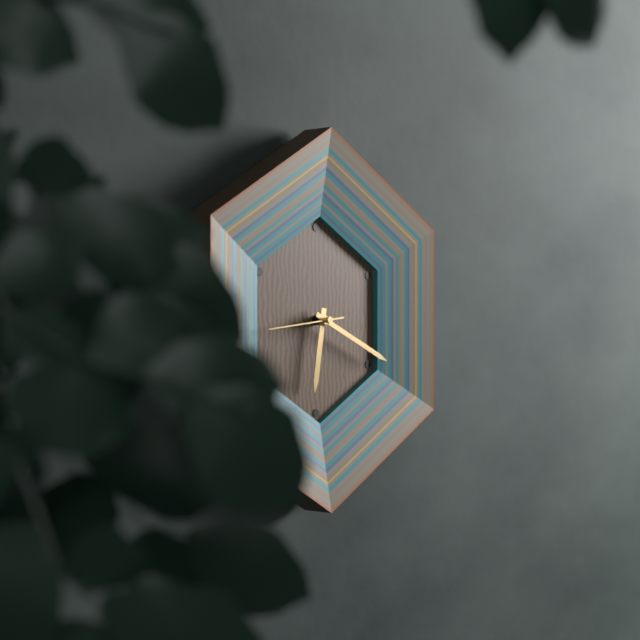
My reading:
6h19m44s
